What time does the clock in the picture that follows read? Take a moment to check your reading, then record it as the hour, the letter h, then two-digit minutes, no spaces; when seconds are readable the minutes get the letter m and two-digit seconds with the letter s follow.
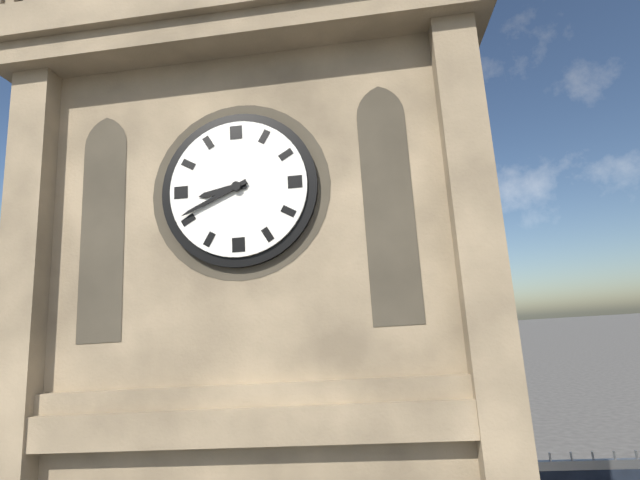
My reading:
8h41
